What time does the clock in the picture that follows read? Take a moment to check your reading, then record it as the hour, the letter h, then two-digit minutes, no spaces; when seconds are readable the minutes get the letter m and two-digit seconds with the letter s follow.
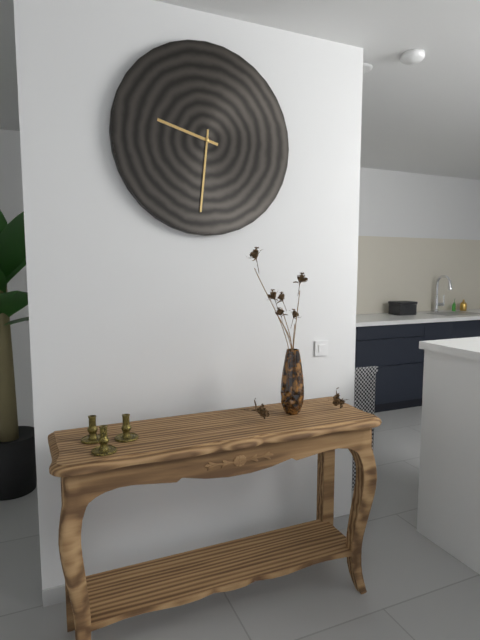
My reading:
9h31
